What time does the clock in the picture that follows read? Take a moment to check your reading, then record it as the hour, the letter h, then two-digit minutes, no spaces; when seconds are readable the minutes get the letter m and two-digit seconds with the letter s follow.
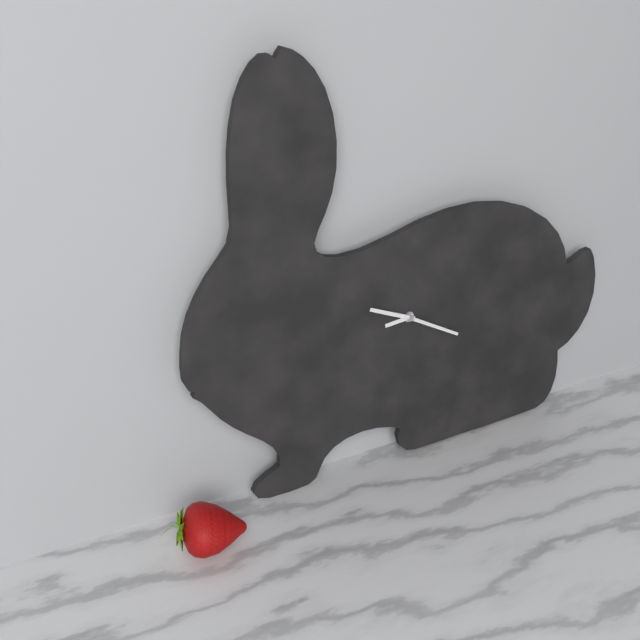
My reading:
8h49m20s
